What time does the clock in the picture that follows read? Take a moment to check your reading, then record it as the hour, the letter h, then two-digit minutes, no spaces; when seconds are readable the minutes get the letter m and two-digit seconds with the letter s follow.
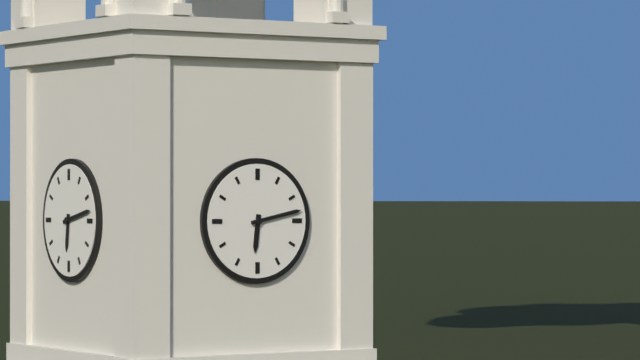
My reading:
6h13
